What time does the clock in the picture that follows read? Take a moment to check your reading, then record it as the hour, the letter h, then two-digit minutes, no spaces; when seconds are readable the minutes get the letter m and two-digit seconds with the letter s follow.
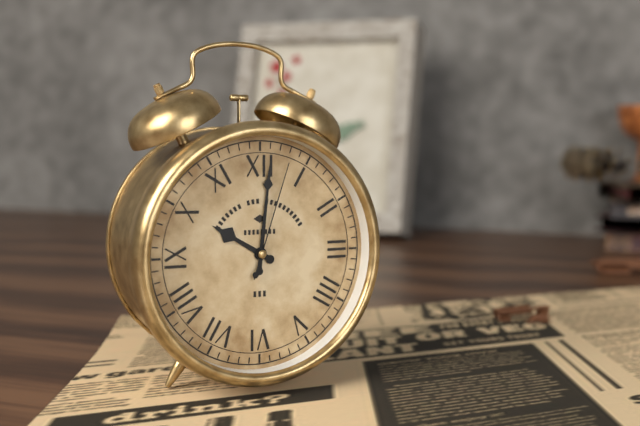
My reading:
10h01m03s
